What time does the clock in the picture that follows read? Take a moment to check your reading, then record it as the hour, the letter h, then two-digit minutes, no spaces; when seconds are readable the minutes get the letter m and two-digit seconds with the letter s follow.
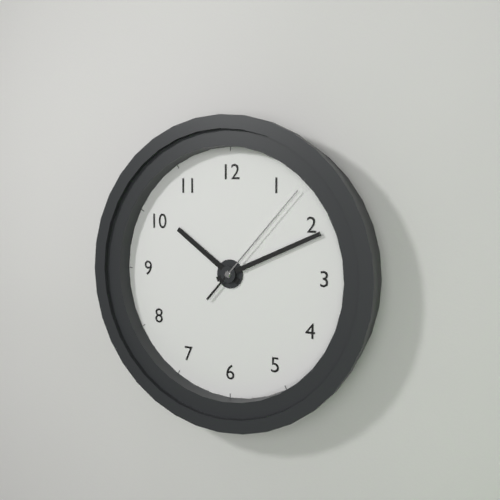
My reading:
10h11m07s
